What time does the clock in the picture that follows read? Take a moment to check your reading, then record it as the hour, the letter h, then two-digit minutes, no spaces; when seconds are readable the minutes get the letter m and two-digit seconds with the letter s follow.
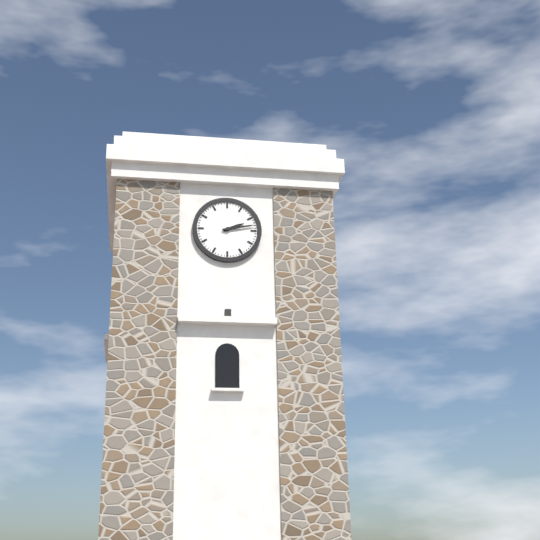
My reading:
2h13
